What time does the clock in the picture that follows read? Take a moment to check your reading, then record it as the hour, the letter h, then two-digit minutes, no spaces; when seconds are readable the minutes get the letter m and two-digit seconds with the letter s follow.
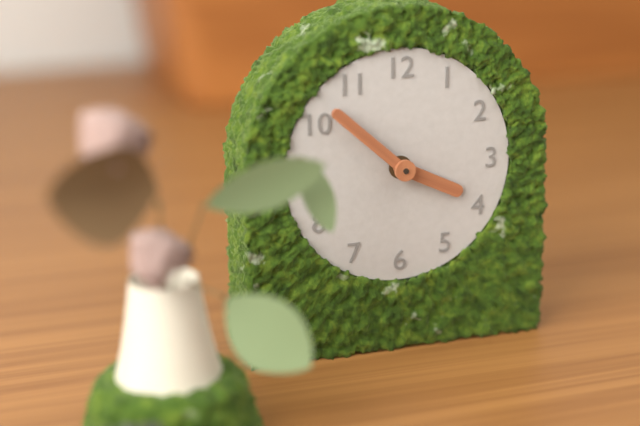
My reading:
3h52
